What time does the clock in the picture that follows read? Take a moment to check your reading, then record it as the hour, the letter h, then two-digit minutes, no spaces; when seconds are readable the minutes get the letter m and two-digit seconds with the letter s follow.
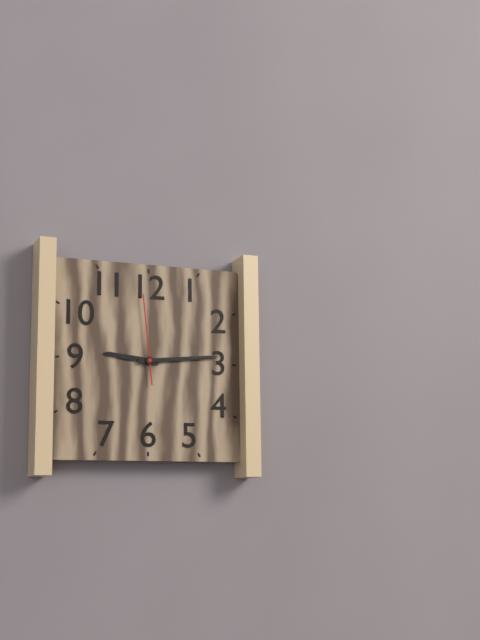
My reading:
9h14m59s
